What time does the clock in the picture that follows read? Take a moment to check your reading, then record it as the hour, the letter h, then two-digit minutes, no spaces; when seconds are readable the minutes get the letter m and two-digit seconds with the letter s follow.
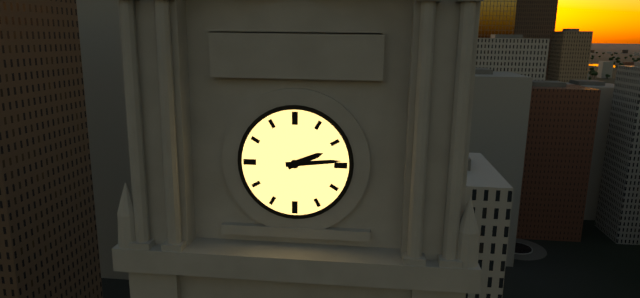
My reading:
2h14
